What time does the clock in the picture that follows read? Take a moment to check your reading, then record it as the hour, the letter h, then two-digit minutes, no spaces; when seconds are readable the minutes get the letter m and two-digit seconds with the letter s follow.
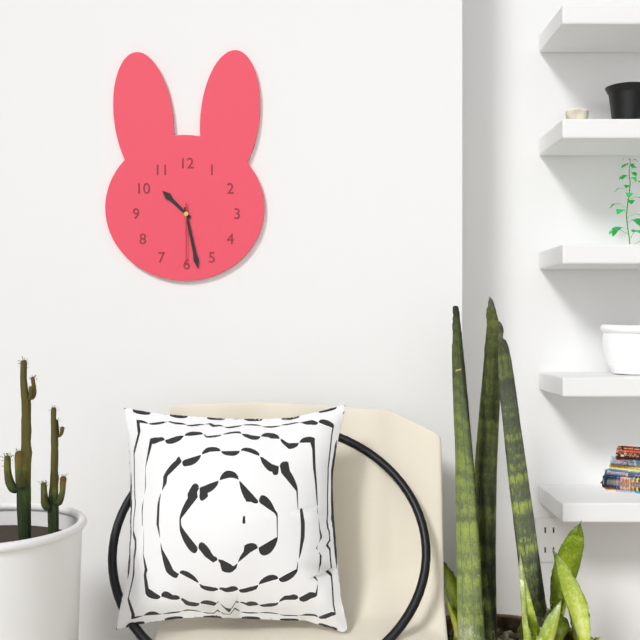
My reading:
10h28m30s
